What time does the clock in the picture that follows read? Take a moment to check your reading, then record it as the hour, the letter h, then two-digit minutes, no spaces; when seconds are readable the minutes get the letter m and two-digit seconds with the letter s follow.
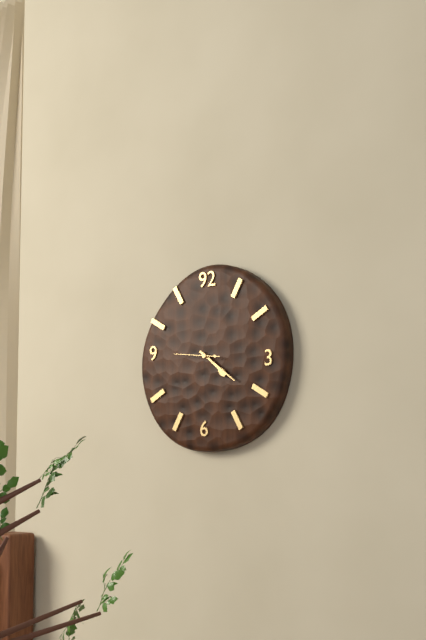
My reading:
4h21m46s
